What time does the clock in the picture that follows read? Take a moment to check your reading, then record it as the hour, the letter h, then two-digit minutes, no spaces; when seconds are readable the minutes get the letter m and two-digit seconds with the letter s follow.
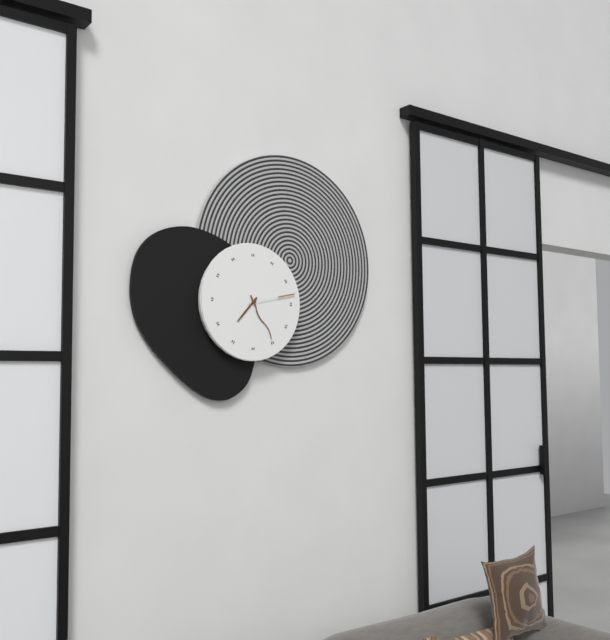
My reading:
7h25m13s
